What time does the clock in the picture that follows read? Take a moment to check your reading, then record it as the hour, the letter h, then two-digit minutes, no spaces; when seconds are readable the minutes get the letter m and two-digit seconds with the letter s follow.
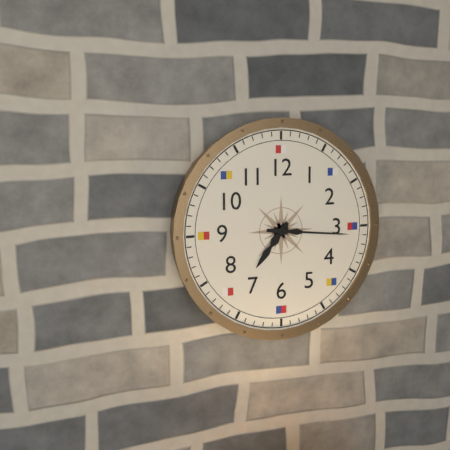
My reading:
7h16
